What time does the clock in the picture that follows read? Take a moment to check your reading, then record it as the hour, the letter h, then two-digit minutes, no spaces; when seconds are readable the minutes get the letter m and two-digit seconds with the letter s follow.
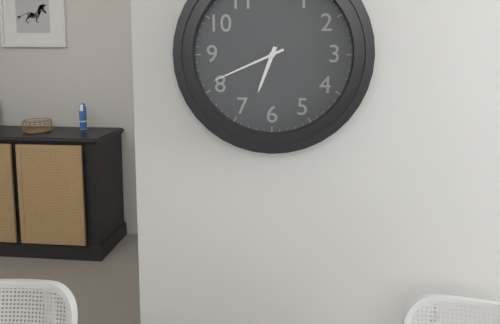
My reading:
6h41
